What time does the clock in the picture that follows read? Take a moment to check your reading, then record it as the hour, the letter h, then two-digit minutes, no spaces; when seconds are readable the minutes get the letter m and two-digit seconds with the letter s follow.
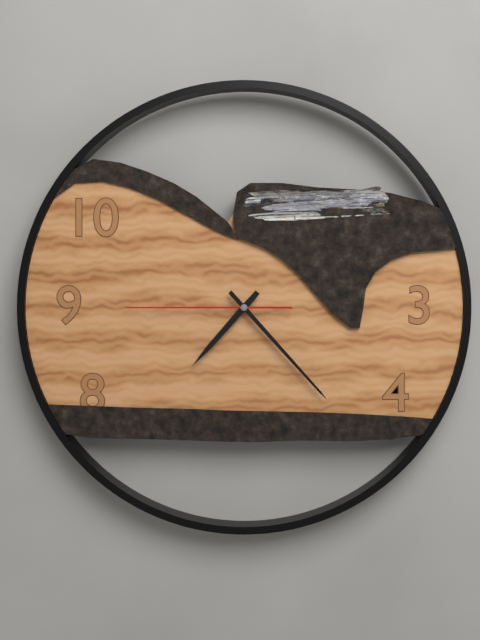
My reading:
7h23m45s
